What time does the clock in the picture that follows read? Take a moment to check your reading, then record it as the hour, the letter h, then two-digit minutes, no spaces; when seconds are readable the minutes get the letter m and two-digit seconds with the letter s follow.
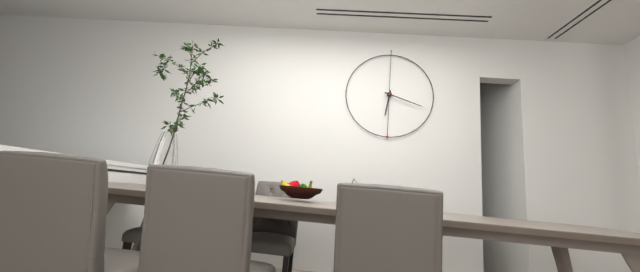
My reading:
6h18
